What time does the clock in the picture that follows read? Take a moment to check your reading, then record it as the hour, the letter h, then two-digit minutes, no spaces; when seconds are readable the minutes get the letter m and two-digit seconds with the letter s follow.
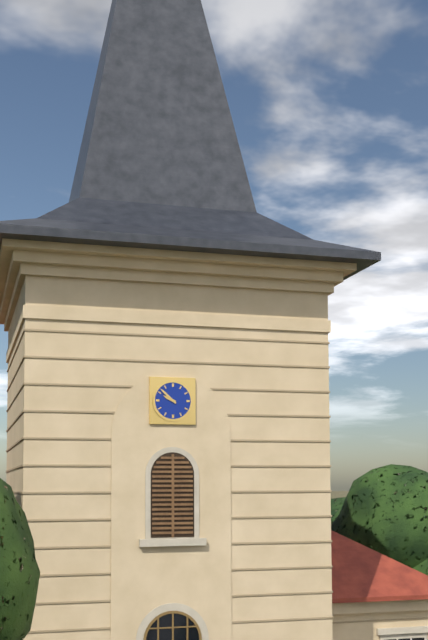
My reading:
9h52
